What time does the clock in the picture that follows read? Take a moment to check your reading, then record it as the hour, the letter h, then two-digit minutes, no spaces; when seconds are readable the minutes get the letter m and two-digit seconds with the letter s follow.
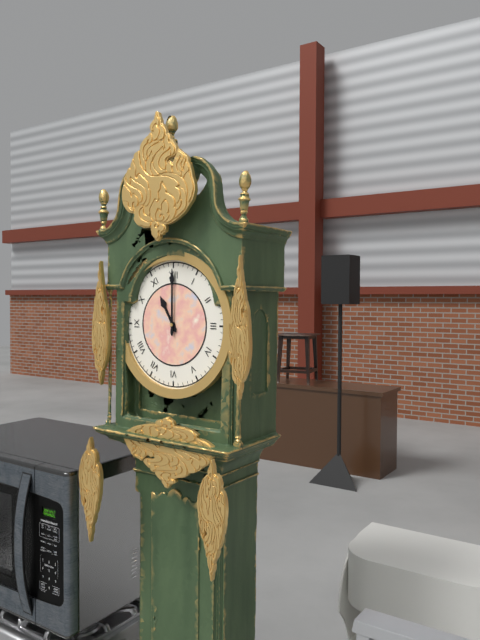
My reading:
11h00
